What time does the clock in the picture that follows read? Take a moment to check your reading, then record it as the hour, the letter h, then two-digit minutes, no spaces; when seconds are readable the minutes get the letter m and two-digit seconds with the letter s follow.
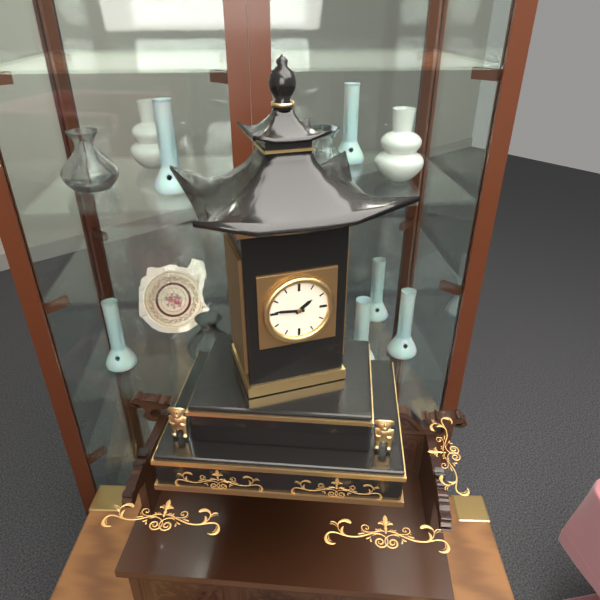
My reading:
1h46
